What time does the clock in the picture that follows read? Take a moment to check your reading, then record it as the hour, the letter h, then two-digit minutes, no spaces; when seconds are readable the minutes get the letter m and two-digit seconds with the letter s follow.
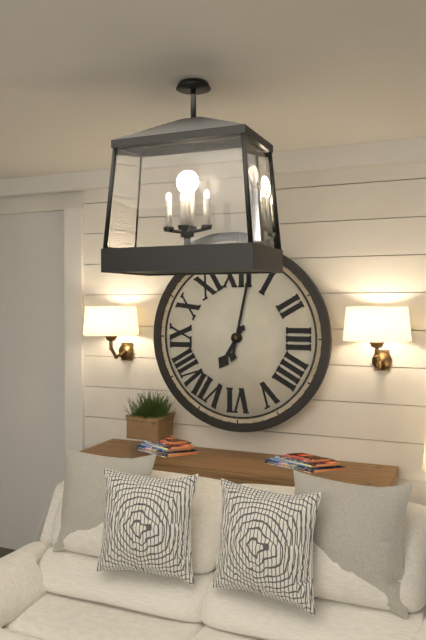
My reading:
7h02
